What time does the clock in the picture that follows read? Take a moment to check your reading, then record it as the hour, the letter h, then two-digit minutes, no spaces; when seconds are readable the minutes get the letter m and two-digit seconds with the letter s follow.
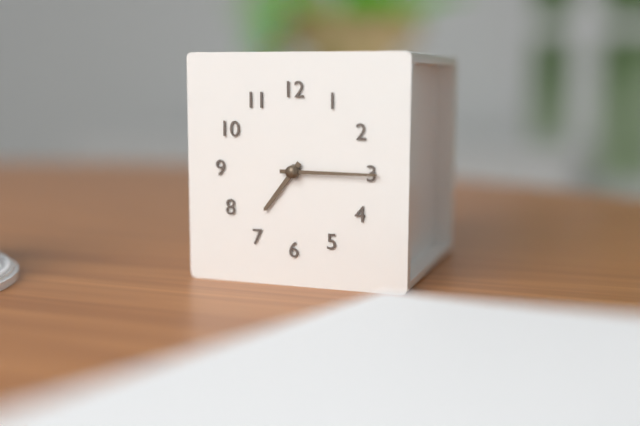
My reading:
7h15
